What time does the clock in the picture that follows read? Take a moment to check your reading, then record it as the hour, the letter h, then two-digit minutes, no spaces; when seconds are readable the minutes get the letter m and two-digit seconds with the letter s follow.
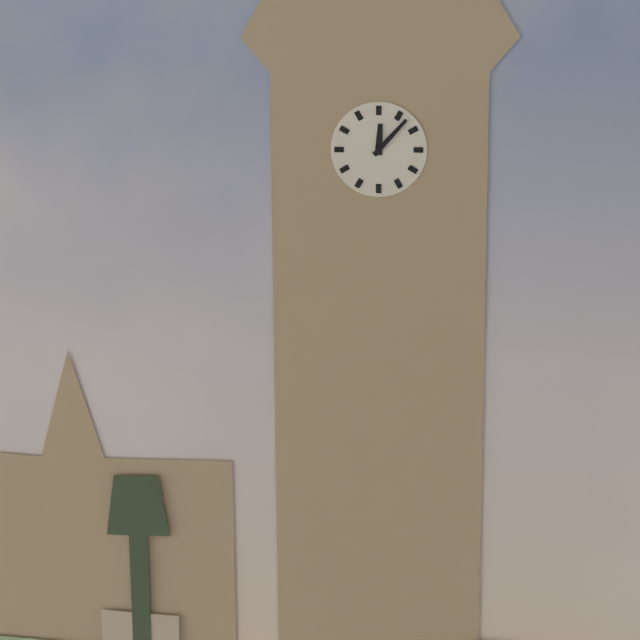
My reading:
12h07
